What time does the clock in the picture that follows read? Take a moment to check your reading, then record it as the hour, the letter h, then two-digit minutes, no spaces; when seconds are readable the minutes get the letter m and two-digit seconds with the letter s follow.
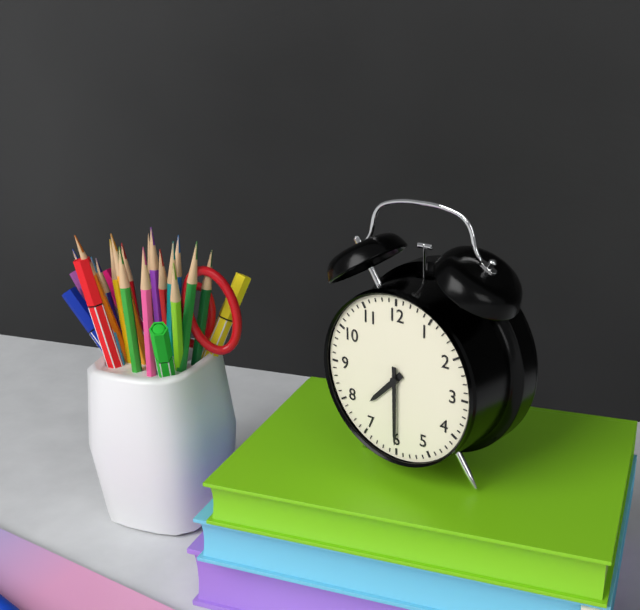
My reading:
7h30
